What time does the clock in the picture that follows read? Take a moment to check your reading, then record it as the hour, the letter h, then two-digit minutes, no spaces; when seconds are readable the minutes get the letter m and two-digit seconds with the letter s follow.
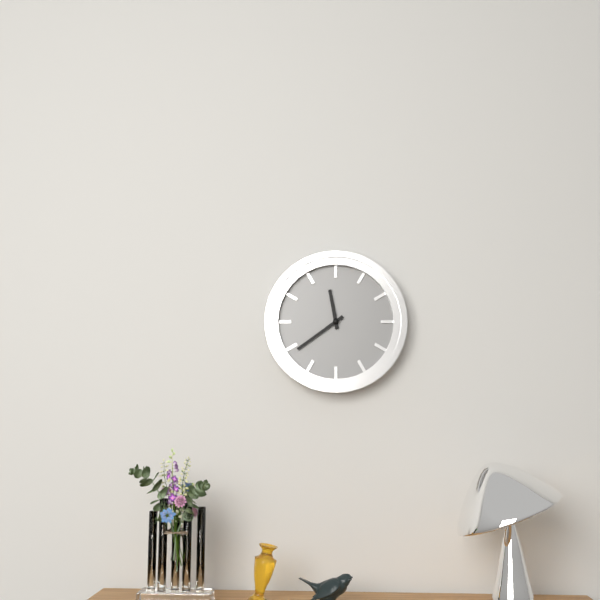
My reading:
11h39
